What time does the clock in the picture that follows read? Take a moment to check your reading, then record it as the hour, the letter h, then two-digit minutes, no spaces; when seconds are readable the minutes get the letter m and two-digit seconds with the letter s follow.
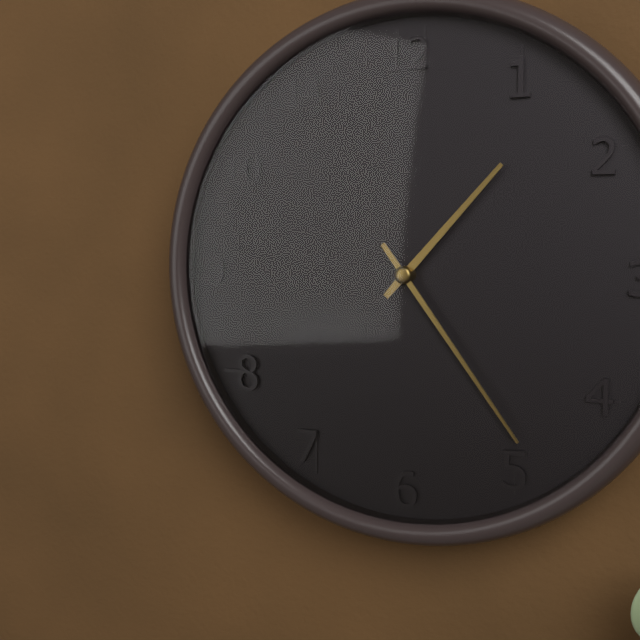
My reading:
1h24
